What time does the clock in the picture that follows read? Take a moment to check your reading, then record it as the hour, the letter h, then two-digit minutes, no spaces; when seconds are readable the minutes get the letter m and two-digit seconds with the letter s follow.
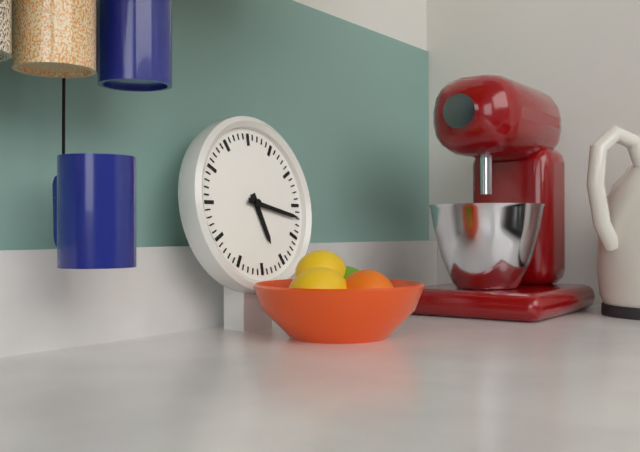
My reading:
5h17
